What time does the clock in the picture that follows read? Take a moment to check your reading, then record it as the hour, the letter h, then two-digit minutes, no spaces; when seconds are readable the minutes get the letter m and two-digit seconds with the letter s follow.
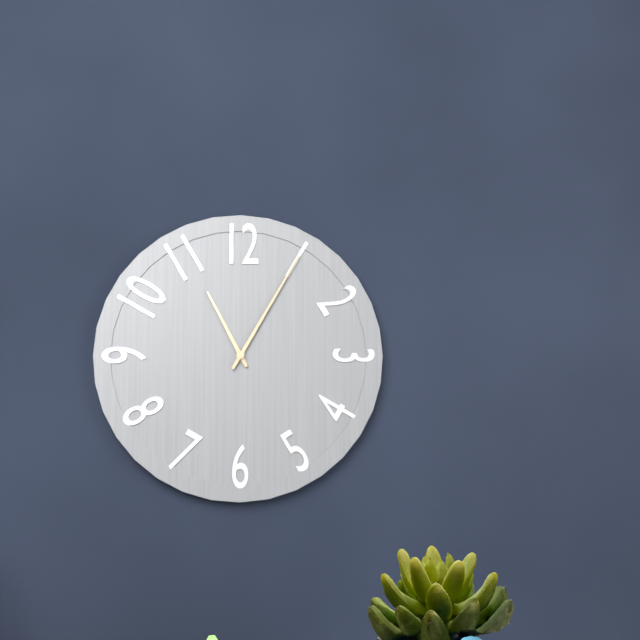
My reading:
11h05
